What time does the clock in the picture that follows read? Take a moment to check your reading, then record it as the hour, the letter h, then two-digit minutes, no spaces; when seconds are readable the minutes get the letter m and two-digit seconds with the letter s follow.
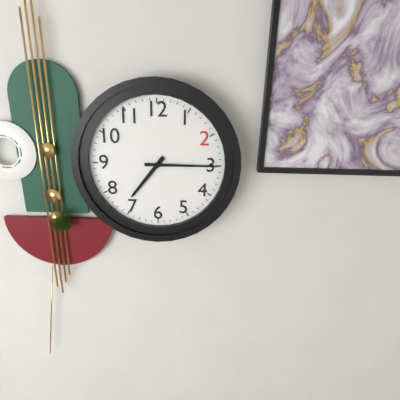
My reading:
7h15
